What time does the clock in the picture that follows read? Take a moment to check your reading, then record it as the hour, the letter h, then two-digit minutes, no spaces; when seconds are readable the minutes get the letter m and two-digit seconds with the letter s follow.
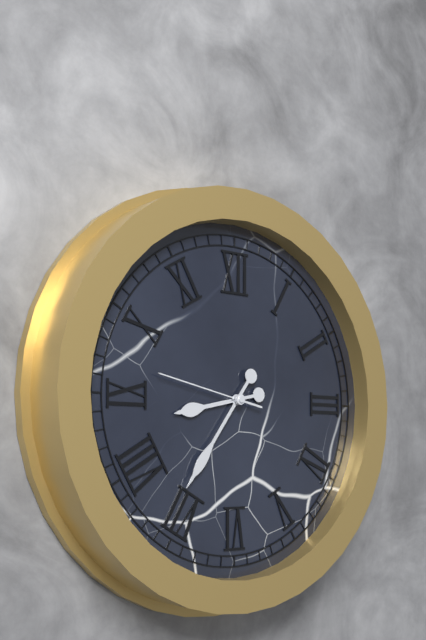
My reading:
8h36m47s
